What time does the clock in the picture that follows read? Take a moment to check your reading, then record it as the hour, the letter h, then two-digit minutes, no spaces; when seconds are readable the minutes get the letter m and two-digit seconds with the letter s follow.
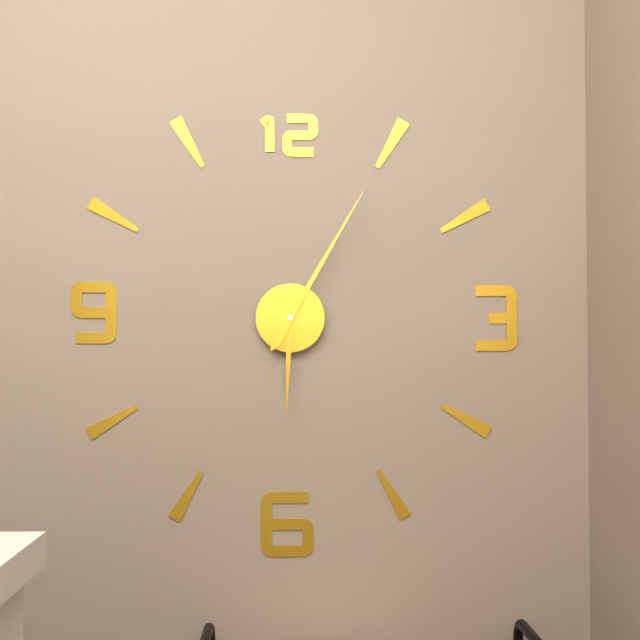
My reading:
6h05
